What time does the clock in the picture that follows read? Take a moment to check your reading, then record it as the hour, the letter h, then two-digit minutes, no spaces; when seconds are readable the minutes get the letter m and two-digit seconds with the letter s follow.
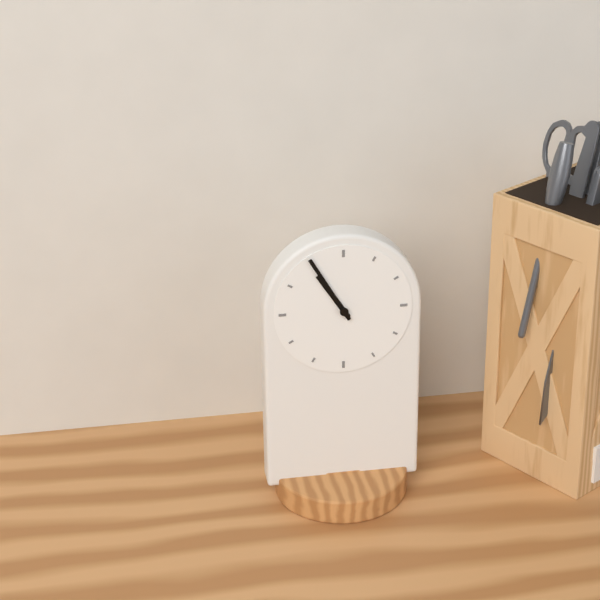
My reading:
10h55
